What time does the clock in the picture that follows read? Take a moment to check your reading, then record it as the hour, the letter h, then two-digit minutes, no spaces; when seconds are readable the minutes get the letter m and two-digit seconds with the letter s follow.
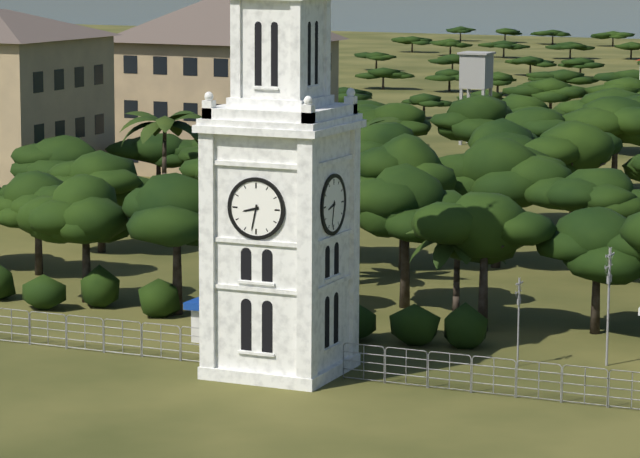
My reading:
8h32
